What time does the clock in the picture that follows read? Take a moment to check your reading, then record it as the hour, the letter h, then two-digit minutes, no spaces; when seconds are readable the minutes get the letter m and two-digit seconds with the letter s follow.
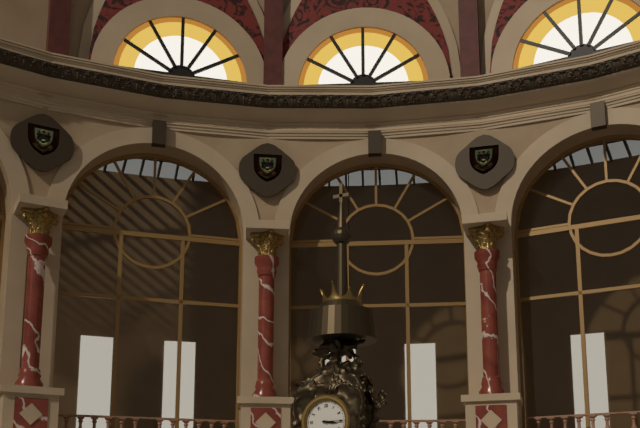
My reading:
3h15
